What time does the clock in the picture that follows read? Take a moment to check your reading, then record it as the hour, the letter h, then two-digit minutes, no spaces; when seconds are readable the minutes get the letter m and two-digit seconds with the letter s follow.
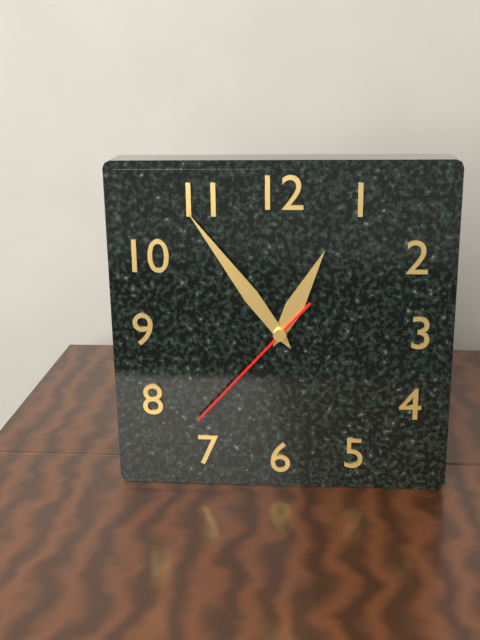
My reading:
12h54m37s
